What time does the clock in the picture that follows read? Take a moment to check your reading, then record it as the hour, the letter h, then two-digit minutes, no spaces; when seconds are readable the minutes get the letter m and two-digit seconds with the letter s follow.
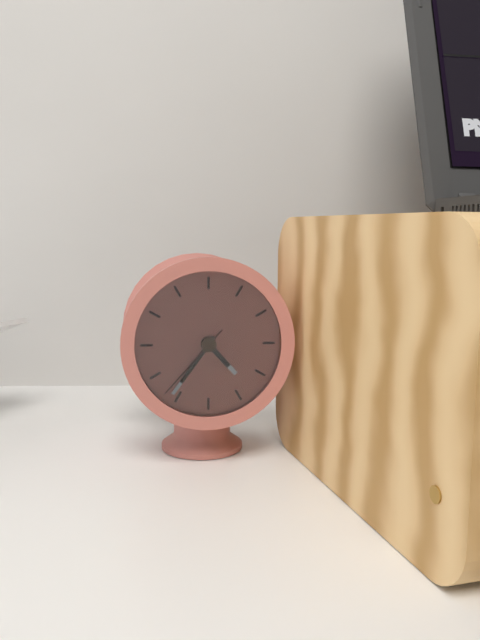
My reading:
4h36m37s
